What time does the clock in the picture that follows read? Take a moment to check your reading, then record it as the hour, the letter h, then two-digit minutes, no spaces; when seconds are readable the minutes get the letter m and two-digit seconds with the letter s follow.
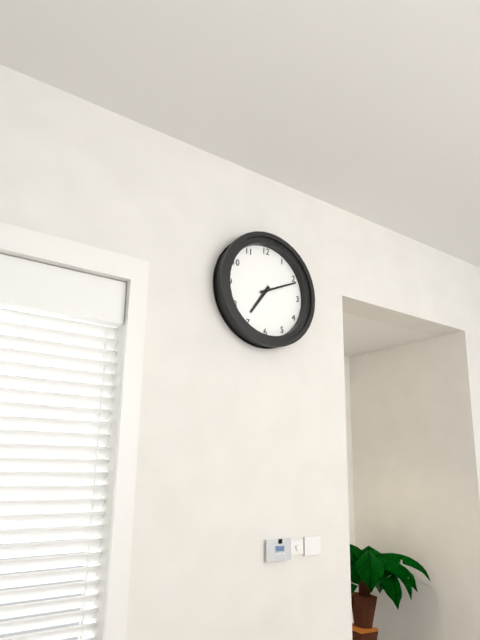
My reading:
7h11
